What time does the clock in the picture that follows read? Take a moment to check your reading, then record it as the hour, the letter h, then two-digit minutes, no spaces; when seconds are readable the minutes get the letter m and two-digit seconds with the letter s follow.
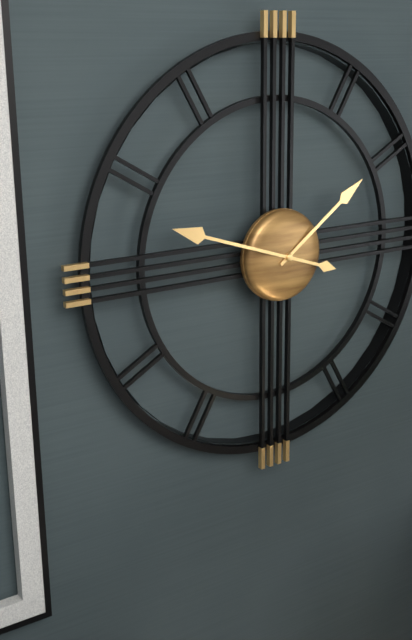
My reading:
1h48
